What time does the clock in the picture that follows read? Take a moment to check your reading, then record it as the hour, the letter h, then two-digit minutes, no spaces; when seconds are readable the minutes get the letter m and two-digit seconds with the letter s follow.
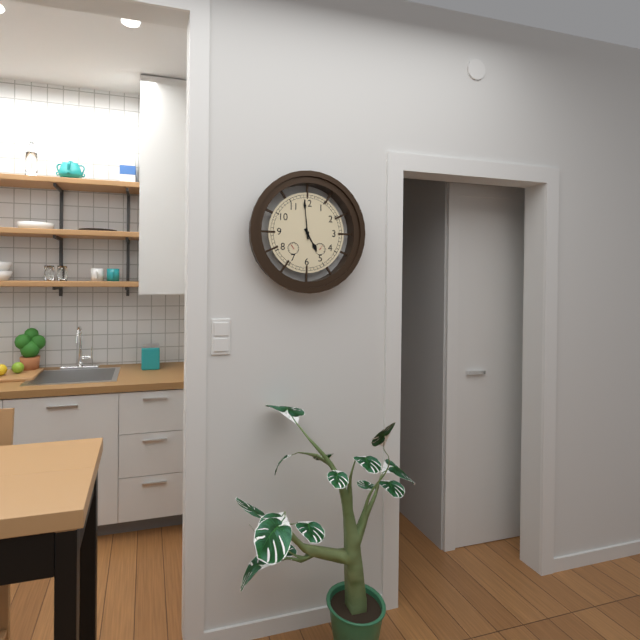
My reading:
4h59
